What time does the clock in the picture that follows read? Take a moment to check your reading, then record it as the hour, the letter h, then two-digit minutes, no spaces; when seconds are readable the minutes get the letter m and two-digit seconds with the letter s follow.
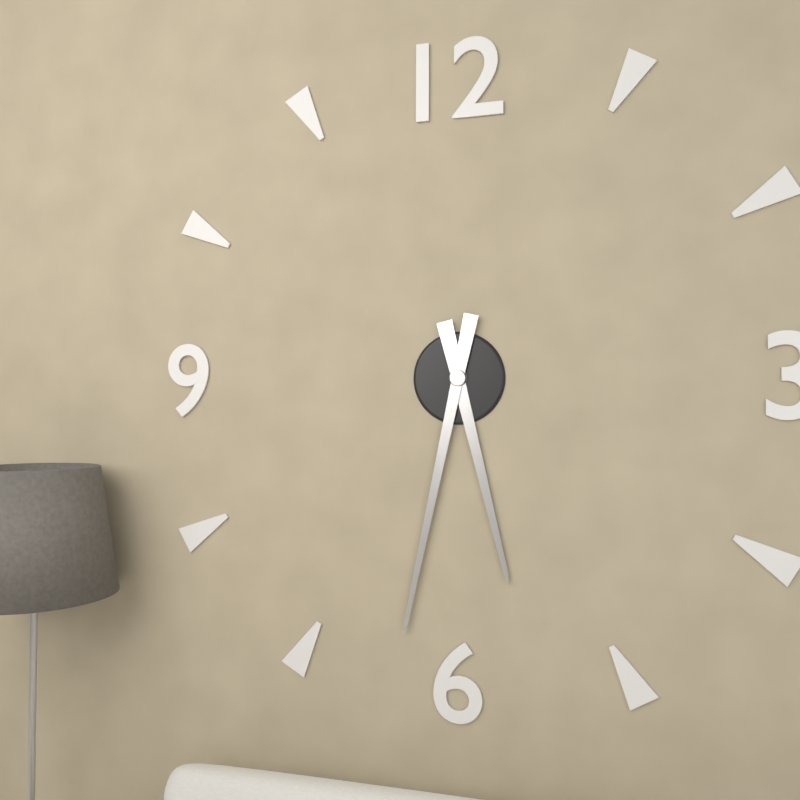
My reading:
5h32
